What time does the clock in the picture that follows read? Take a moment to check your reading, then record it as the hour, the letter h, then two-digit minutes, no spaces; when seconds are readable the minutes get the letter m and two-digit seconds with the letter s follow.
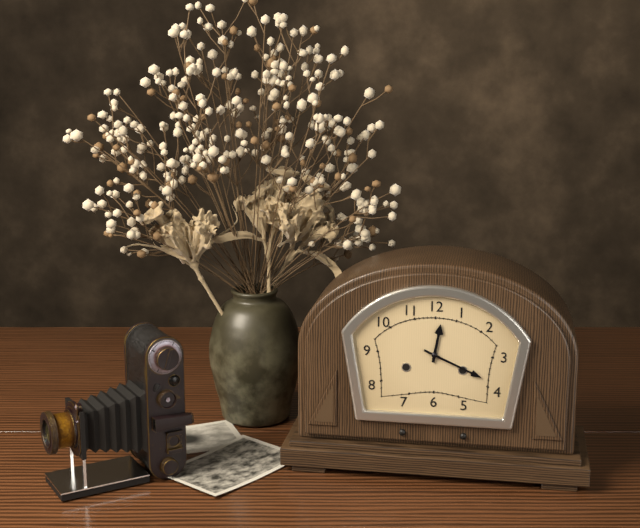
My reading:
12h19
